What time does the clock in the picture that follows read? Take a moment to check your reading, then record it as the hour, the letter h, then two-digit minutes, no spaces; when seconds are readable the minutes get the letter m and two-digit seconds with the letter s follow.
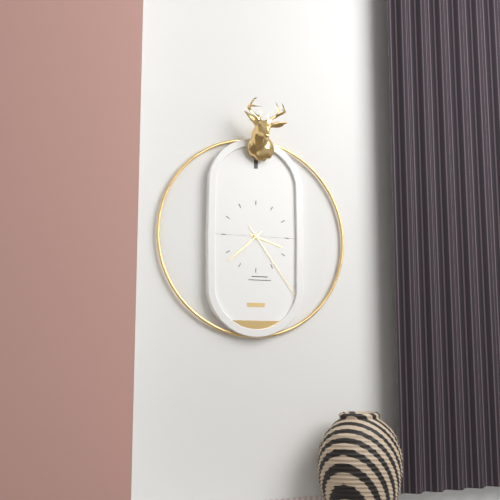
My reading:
3h38m24s
